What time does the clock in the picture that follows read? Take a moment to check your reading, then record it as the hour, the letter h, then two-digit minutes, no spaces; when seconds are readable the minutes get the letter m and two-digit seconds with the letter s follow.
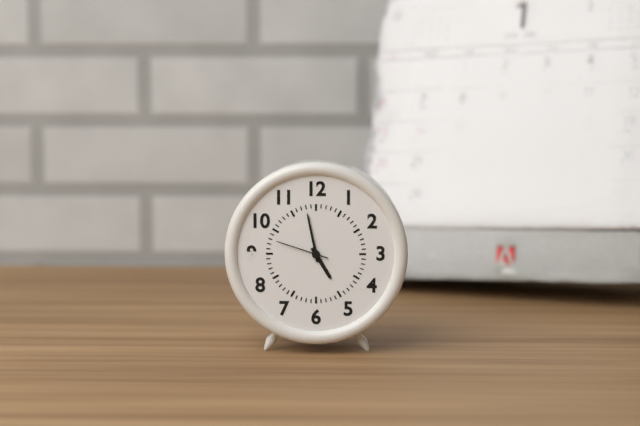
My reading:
4h58m48s
